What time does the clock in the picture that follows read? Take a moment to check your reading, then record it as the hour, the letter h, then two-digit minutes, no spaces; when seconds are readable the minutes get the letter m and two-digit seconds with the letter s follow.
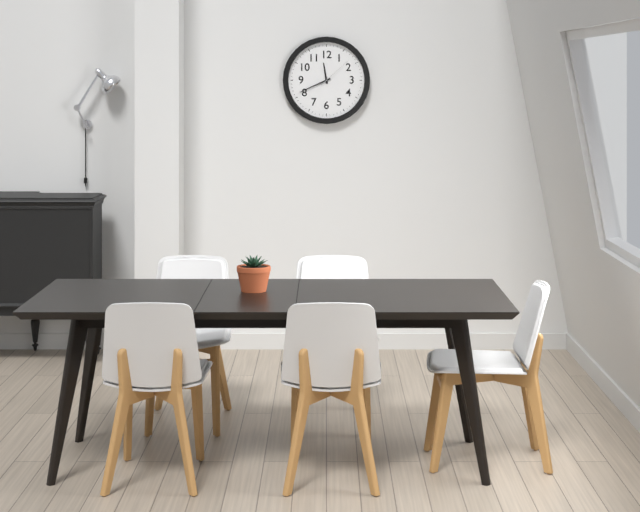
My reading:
11h41
